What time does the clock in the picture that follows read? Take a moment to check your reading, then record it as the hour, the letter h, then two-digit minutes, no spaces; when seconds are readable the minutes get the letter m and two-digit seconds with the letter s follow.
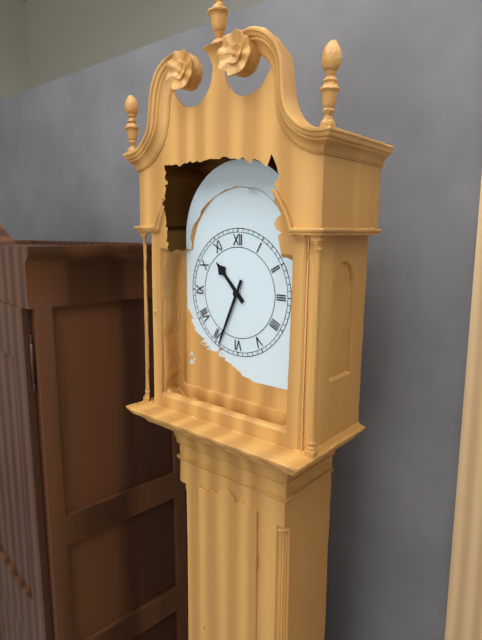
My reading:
10h34
